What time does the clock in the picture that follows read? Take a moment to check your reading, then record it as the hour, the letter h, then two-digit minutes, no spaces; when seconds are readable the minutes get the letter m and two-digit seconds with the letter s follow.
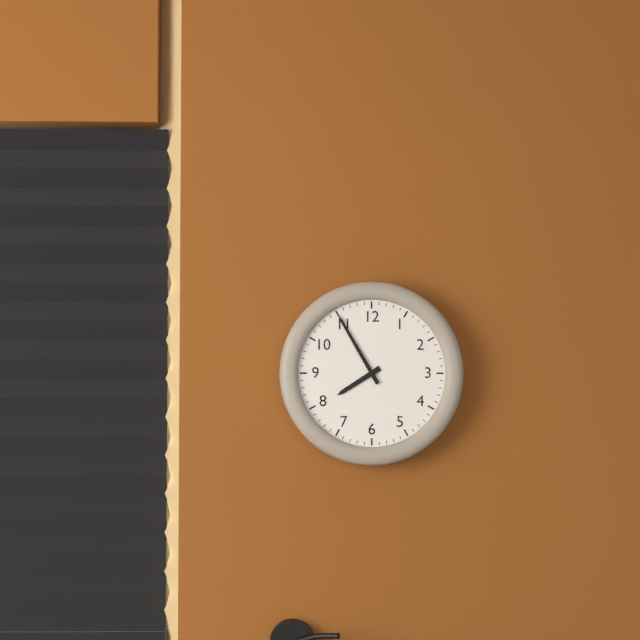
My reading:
7h55
